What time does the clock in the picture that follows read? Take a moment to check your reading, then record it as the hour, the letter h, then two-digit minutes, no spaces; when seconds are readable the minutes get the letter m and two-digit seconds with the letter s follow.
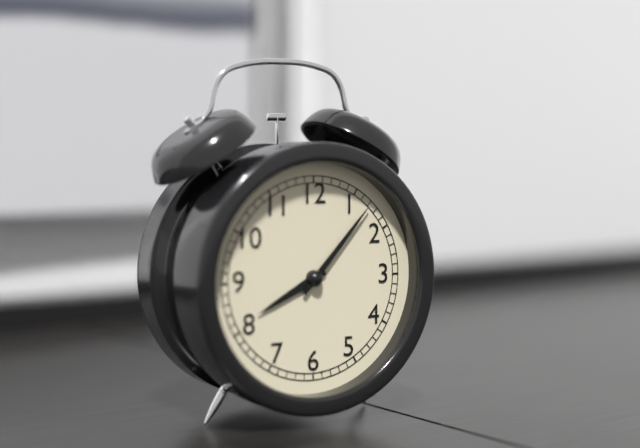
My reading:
8h07
